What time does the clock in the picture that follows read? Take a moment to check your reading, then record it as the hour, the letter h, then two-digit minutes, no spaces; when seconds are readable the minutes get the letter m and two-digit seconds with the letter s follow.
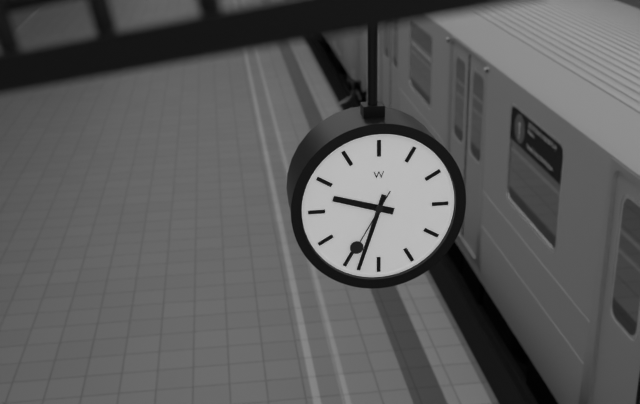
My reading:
9h33m35s
